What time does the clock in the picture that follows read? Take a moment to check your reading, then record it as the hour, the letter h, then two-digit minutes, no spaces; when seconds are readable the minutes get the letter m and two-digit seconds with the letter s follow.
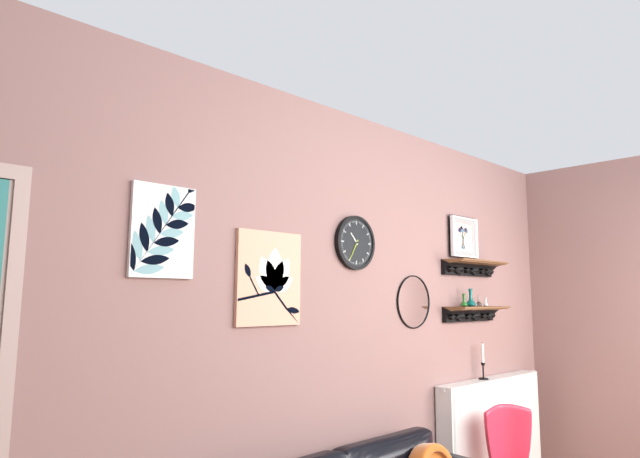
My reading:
10h35
